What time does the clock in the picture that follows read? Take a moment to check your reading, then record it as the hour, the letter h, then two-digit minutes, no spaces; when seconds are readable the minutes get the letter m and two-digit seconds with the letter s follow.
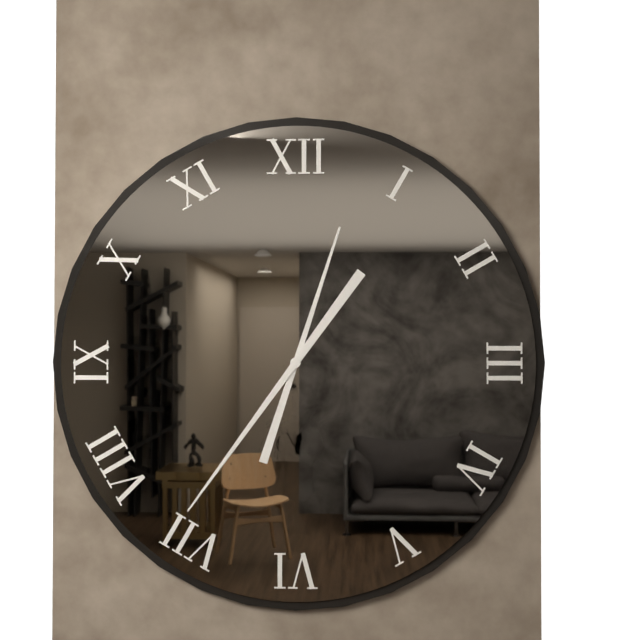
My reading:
12h36
